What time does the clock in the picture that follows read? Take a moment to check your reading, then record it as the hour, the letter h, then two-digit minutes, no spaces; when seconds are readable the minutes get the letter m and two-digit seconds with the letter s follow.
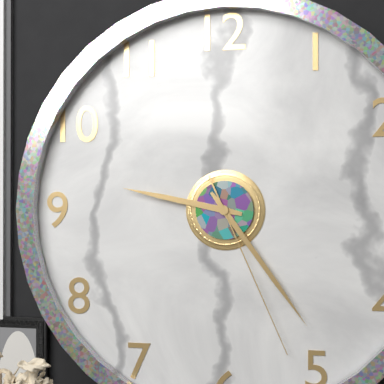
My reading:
9h24m26s
